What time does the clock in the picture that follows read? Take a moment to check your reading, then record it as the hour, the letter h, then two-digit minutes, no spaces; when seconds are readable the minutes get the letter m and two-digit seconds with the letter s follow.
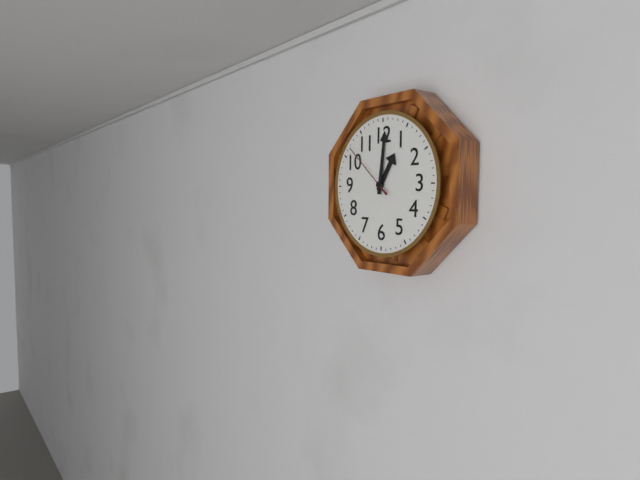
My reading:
1h01m52s
